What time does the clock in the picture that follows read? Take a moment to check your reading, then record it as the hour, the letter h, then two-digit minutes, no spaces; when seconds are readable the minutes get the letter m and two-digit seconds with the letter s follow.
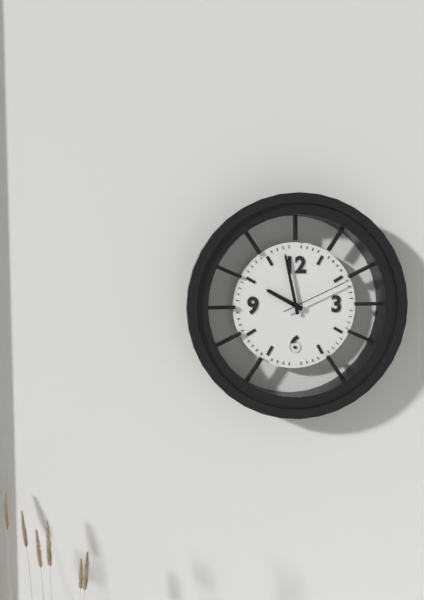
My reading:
9h58m11s
